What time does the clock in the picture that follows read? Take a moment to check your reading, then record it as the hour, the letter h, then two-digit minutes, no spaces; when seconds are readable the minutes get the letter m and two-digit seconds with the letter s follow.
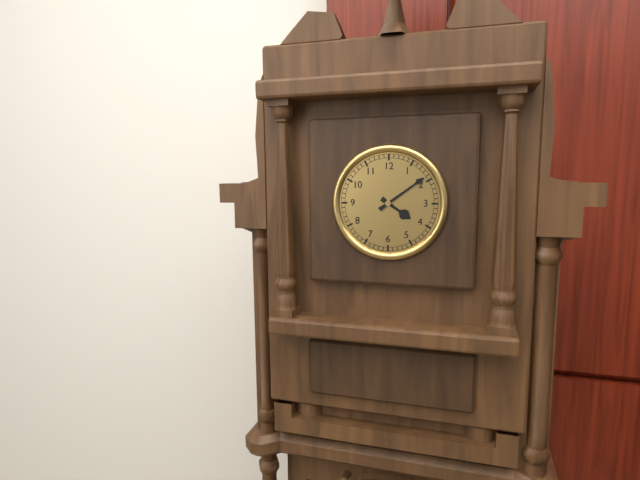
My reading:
4h09
